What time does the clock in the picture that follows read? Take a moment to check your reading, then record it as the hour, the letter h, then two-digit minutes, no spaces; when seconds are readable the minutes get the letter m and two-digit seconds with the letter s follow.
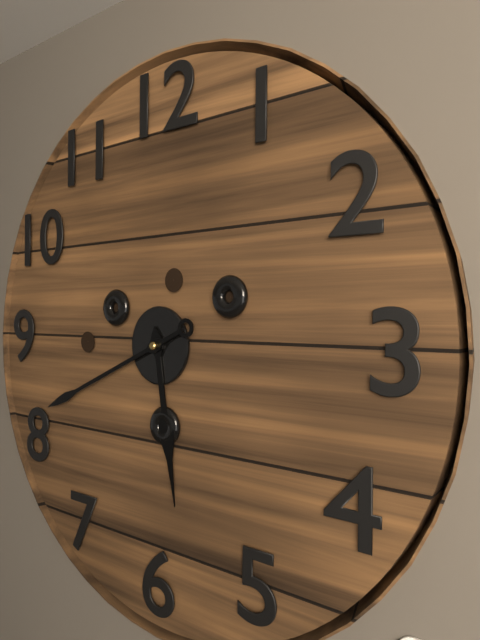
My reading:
5h41
